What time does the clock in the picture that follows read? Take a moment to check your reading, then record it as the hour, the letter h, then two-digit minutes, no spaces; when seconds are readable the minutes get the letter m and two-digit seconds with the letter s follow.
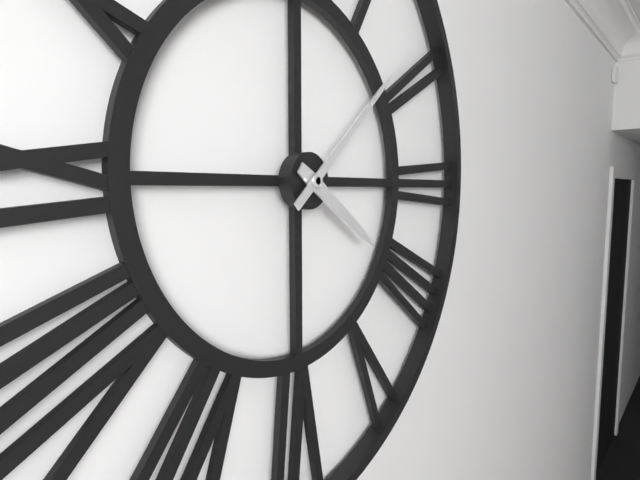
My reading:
4h08
